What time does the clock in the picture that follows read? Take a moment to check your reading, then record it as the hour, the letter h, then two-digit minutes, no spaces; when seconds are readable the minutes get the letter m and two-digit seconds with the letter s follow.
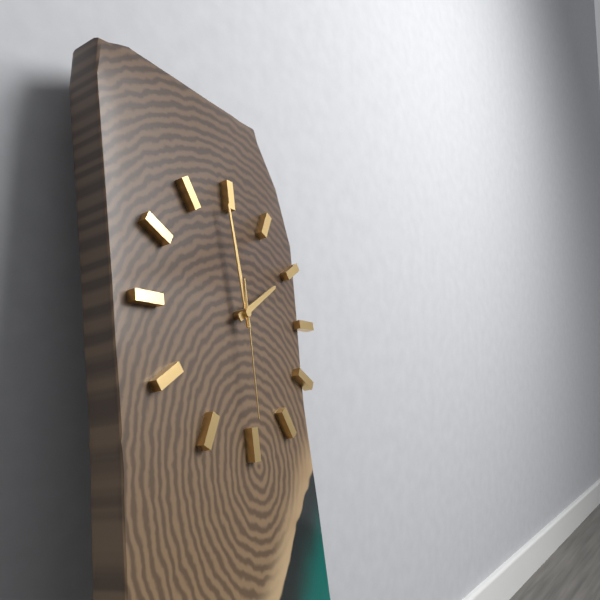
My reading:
1h59m30s
